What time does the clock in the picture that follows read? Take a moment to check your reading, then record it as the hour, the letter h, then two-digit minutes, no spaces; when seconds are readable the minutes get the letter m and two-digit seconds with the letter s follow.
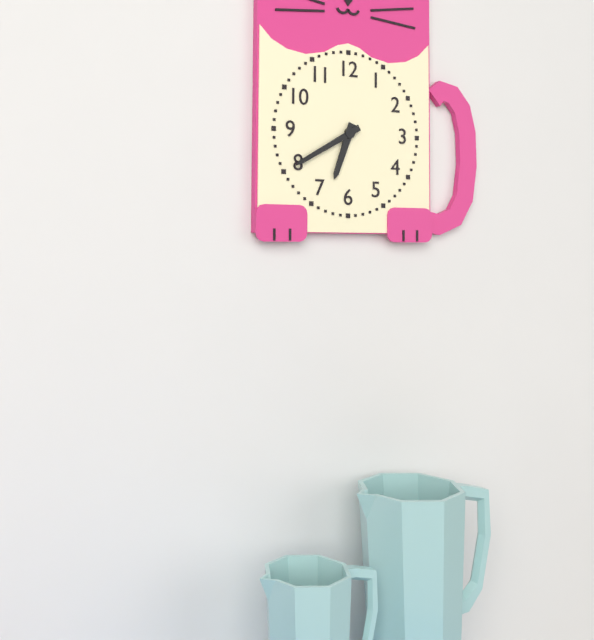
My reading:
6h40
